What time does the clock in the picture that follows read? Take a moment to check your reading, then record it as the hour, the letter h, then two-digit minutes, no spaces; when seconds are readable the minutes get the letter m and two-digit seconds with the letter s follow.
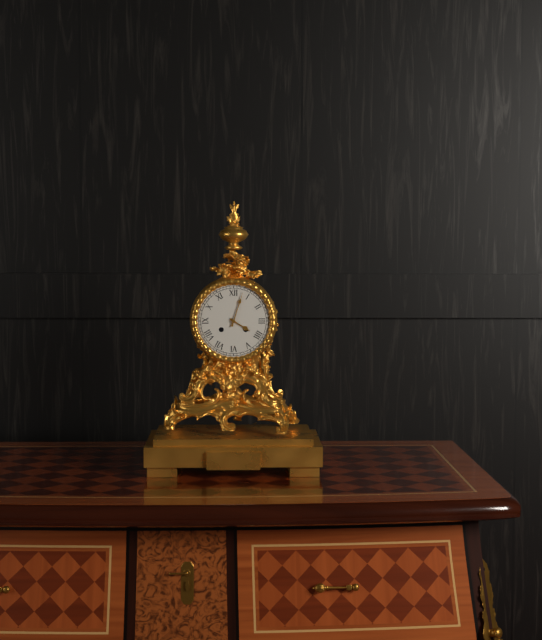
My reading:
4h03
